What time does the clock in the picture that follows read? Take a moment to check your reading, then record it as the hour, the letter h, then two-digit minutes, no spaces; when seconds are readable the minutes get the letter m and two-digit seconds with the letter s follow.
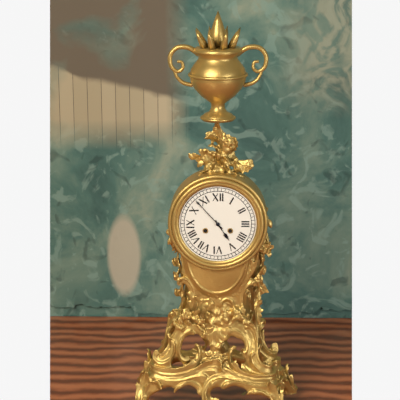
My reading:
4h53
